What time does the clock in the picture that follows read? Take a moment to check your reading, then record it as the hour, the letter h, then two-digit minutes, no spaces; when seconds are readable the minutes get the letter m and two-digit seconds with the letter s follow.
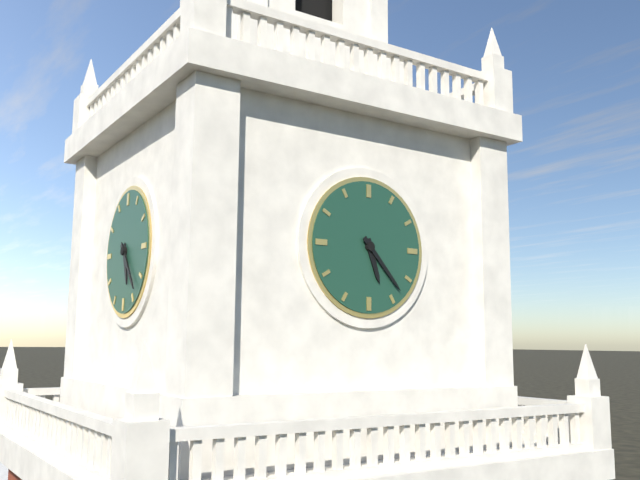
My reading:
5h23
